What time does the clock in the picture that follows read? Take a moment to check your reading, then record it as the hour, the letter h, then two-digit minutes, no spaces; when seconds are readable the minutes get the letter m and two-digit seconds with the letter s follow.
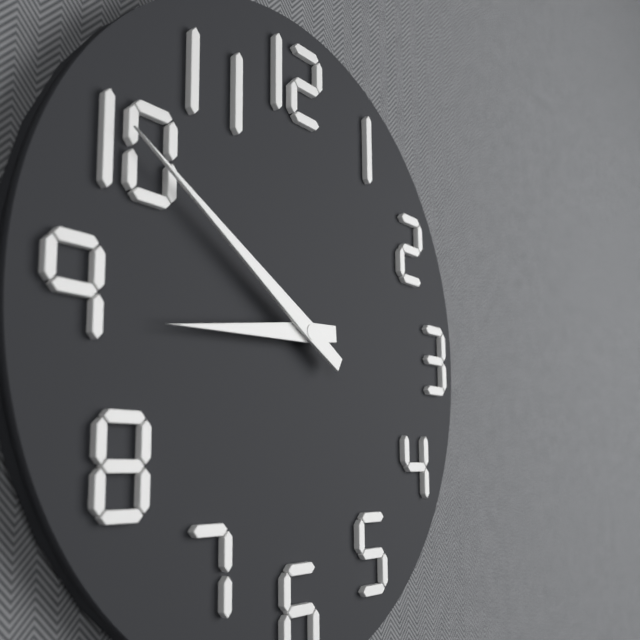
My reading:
8h50
